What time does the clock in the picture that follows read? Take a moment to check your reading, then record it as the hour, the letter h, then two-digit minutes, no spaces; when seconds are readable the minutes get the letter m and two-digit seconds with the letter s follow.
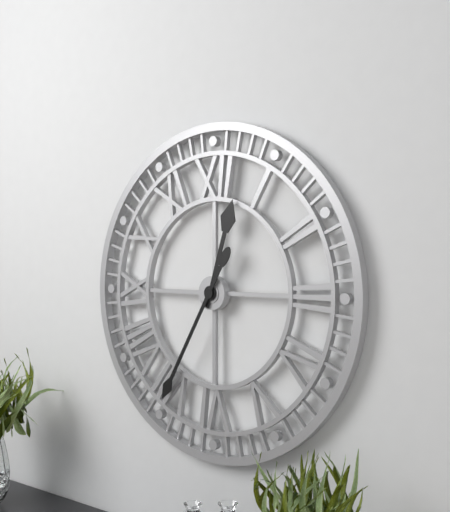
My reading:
12h35
